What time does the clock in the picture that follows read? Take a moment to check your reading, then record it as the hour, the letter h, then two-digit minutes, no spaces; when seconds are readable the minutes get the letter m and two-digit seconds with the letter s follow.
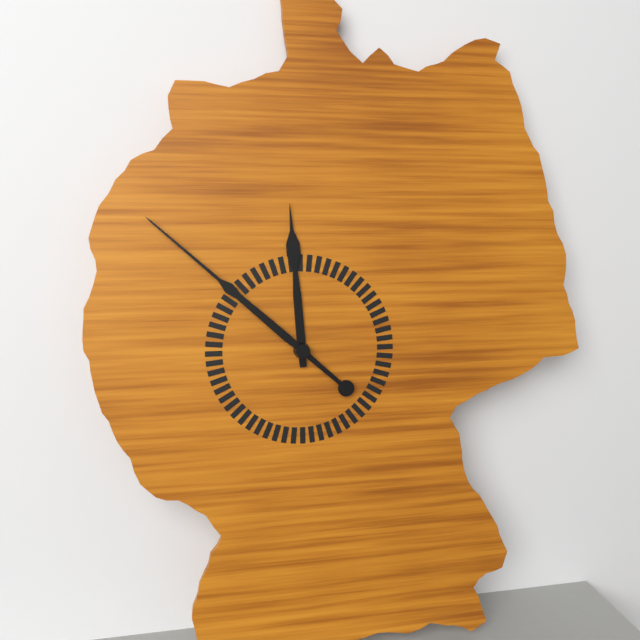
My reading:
11h52
